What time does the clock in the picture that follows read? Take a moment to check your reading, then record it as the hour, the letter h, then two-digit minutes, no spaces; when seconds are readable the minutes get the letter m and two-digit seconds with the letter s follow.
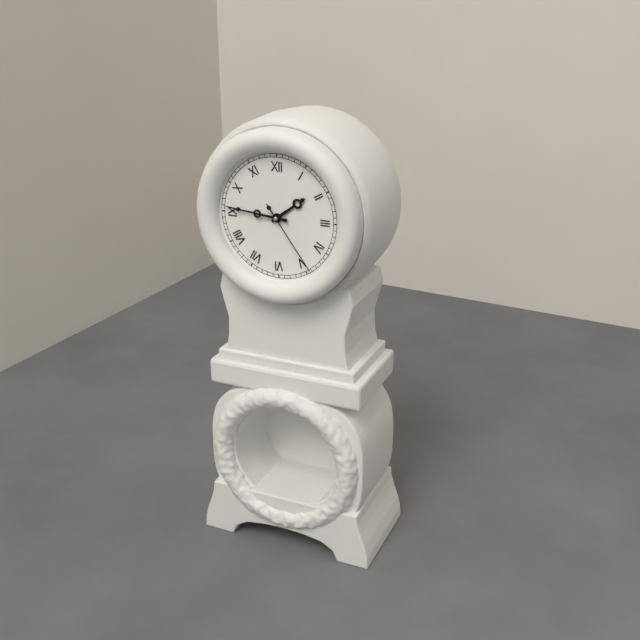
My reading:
1h46m24s
